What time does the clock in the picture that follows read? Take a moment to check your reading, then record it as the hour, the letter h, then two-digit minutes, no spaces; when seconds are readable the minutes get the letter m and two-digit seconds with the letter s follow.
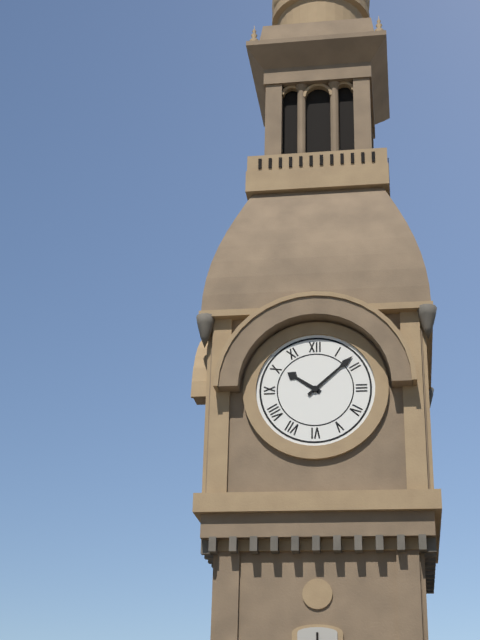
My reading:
10h08
